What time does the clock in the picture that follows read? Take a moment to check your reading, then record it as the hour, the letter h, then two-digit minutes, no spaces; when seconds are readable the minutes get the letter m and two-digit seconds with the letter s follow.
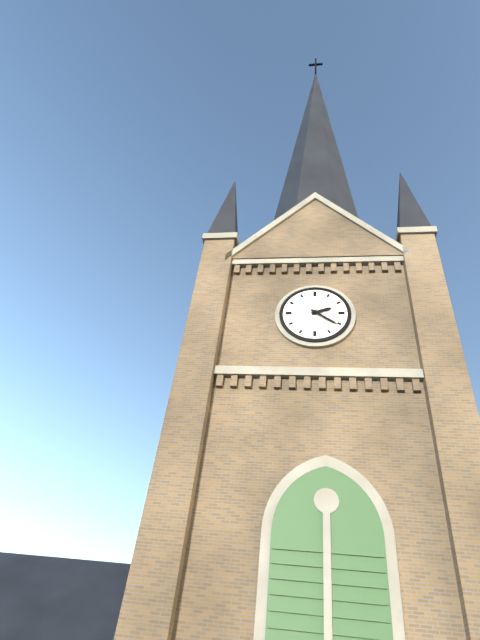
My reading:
2h21
